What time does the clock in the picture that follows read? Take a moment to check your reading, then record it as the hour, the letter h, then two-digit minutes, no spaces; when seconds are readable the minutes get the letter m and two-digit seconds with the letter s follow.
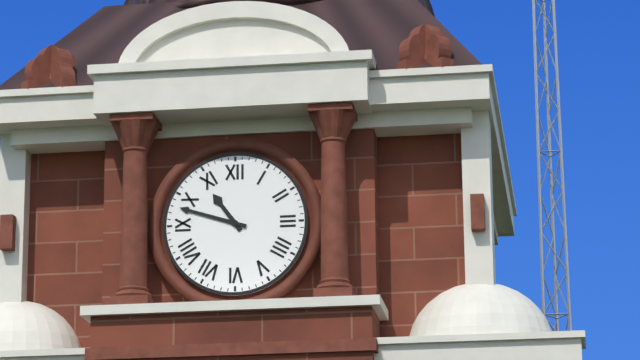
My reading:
10h48
